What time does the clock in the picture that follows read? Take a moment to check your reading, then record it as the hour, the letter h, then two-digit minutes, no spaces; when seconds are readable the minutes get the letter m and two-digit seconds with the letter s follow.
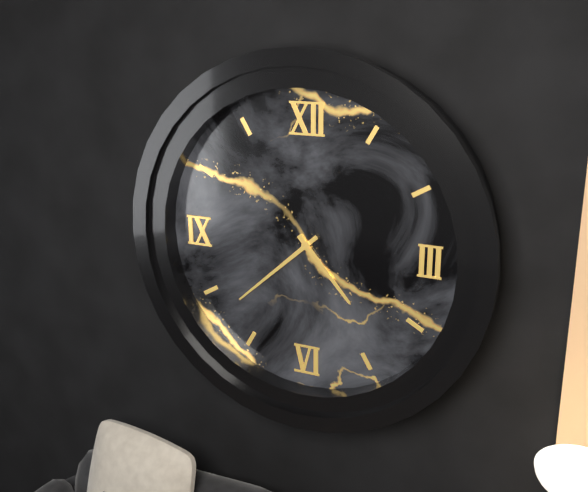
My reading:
4h38
